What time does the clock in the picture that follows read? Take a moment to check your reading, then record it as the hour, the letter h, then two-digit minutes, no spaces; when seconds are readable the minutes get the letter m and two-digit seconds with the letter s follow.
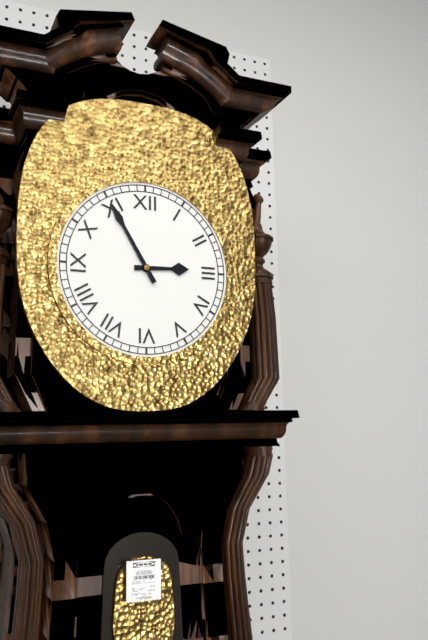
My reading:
2h55
